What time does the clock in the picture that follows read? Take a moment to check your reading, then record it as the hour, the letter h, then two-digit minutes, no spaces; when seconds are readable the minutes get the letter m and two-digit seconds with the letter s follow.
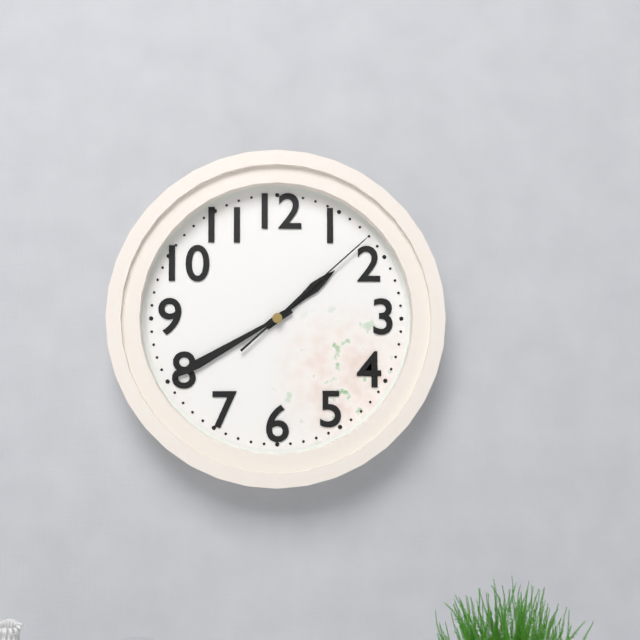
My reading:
1h40m08s
